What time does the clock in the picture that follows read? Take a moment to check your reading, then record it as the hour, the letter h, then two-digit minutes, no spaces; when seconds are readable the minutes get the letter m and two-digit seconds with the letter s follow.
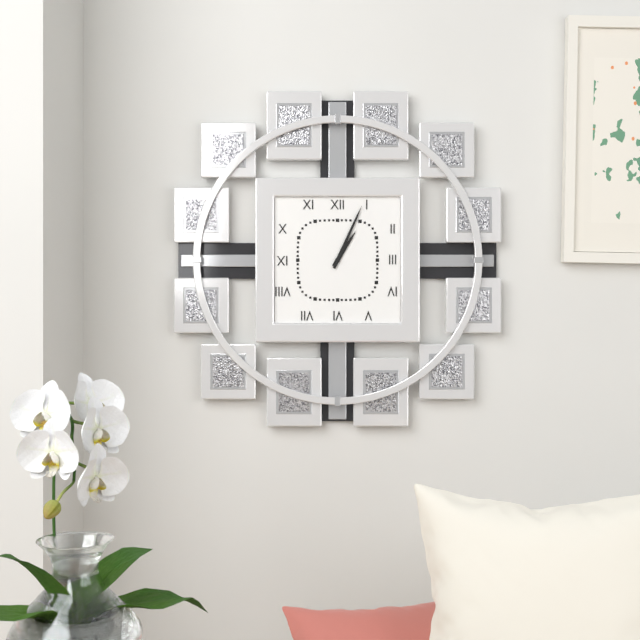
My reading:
1h04
